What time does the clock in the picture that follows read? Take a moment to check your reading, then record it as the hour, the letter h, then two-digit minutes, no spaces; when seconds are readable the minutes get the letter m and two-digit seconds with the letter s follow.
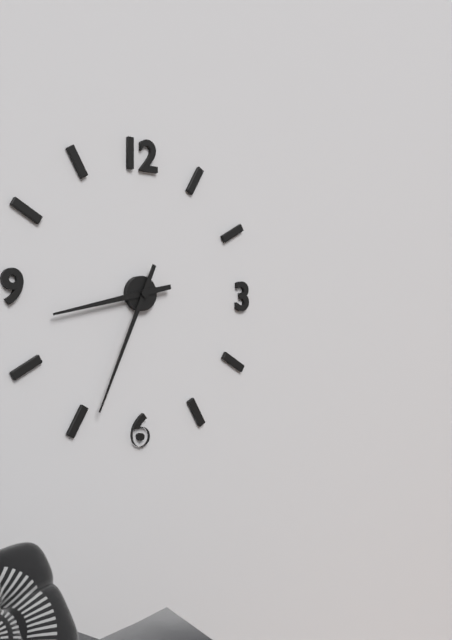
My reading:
8h34
